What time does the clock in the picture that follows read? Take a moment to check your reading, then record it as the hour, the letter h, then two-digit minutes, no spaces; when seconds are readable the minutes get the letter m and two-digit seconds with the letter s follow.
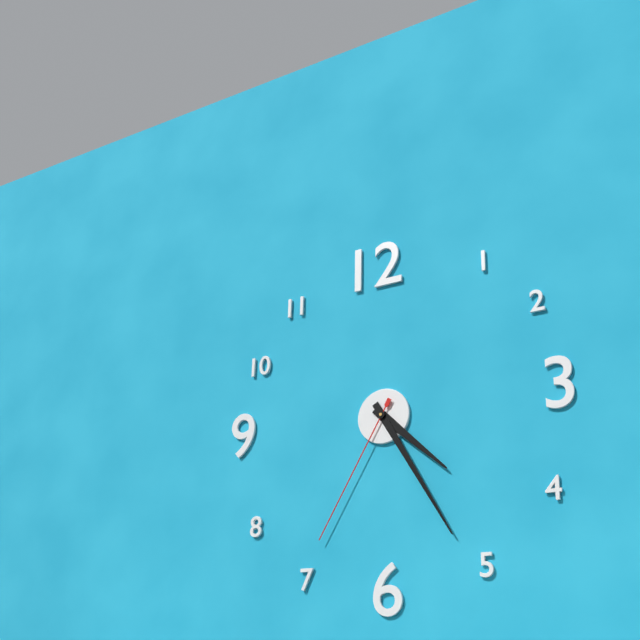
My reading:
4h25m35s
